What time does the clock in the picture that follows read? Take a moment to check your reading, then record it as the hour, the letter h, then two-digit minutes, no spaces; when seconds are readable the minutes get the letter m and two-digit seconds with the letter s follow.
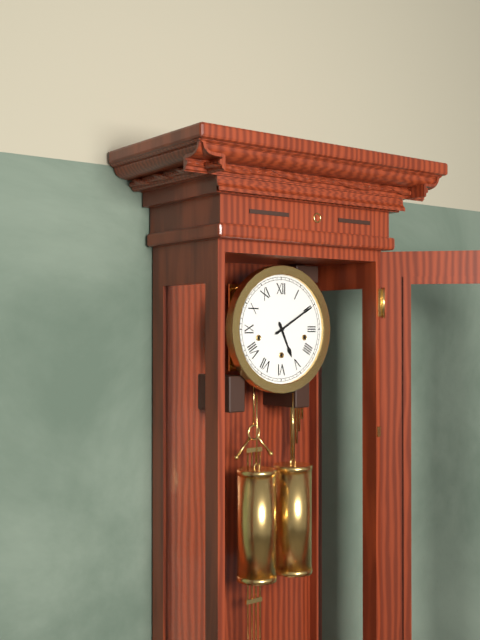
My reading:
5h10
